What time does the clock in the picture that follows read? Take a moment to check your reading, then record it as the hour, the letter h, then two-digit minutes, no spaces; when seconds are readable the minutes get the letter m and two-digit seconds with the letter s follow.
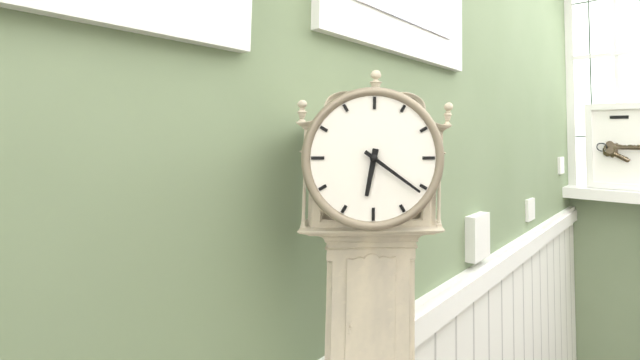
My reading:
6h21
